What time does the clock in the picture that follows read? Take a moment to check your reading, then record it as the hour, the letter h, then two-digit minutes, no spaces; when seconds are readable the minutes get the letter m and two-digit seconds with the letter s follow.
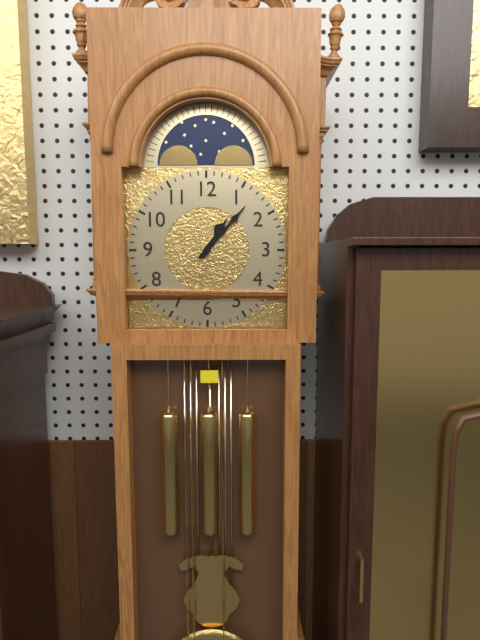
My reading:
1h07
